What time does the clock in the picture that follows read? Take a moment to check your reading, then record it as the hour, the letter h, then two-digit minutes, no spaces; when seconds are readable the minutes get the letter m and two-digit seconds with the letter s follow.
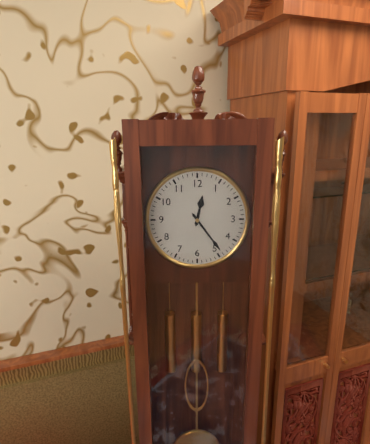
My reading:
12h24
